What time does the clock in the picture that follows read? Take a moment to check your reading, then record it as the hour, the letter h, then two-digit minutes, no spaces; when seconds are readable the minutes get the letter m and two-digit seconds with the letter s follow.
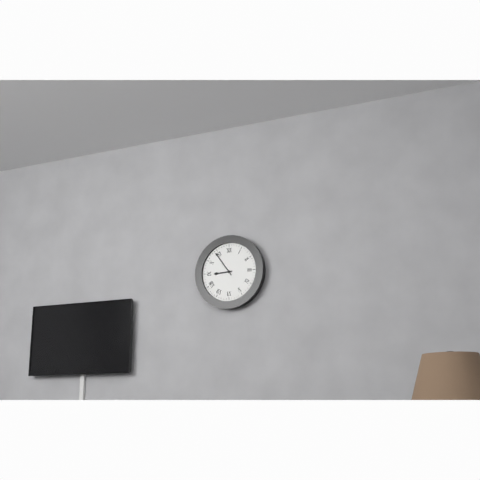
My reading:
8h54
